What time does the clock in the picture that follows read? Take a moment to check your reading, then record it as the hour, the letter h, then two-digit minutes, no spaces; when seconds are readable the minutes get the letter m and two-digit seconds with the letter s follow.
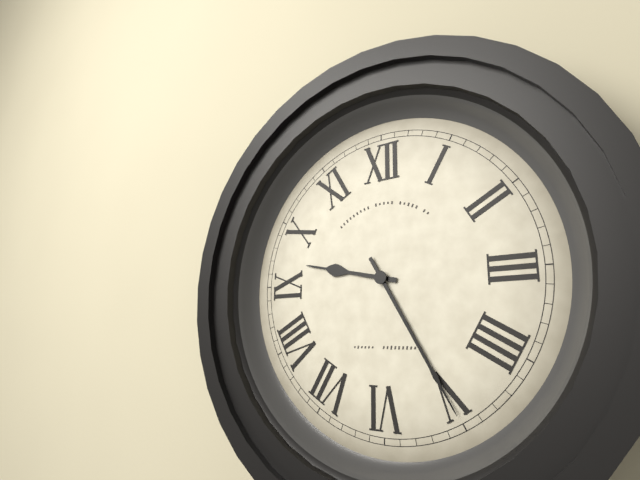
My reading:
9h25
